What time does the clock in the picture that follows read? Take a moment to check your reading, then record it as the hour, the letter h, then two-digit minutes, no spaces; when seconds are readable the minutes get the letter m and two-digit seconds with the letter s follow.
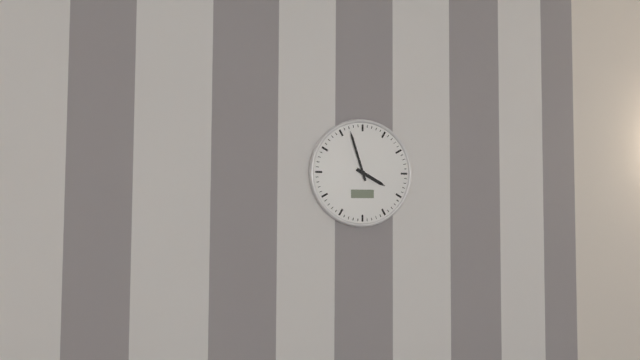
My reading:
3h57
